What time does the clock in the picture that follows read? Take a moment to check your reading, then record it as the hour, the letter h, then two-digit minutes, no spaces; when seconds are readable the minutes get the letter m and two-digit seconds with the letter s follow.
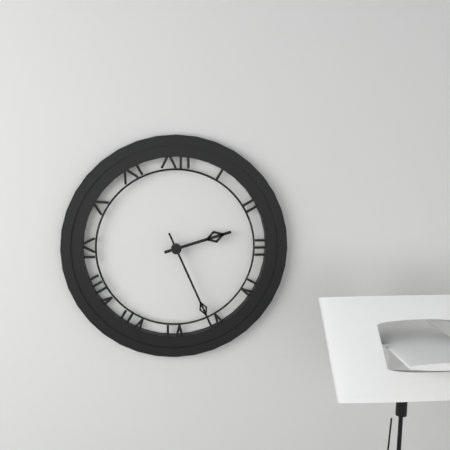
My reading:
2h26
